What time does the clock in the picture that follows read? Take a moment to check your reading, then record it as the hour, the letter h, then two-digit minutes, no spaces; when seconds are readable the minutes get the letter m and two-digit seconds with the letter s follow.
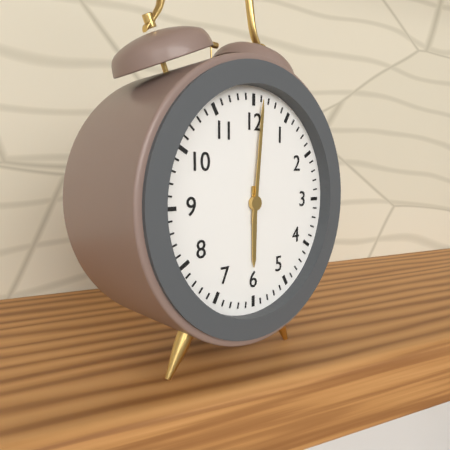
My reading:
6h01
